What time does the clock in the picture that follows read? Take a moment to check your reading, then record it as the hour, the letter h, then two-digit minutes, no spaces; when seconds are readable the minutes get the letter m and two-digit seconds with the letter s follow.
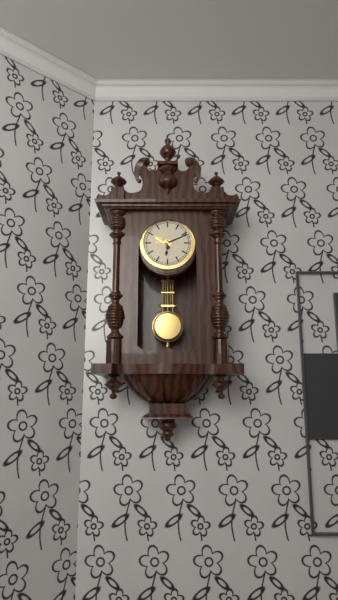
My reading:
6h11
